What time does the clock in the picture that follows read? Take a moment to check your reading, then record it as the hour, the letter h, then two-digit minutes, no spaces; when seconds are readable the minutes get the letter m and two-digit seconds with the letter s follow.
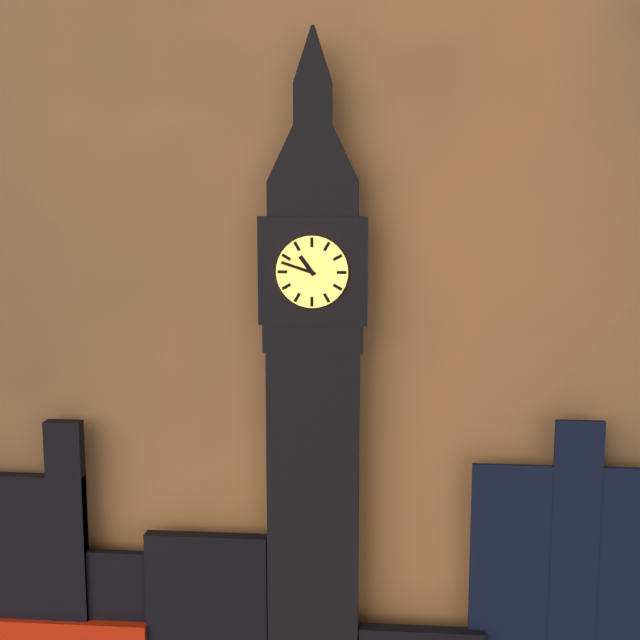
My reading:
10h48
